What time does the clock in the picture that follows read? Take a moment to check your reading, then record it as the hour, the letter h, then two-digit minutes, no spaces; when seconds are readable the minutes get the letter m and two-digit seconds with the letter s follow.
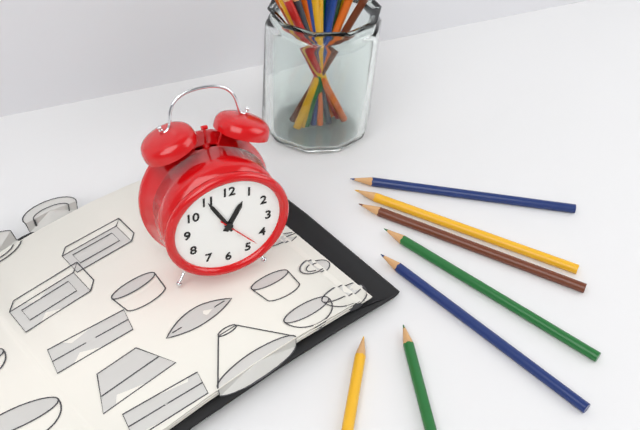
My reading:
12h55
